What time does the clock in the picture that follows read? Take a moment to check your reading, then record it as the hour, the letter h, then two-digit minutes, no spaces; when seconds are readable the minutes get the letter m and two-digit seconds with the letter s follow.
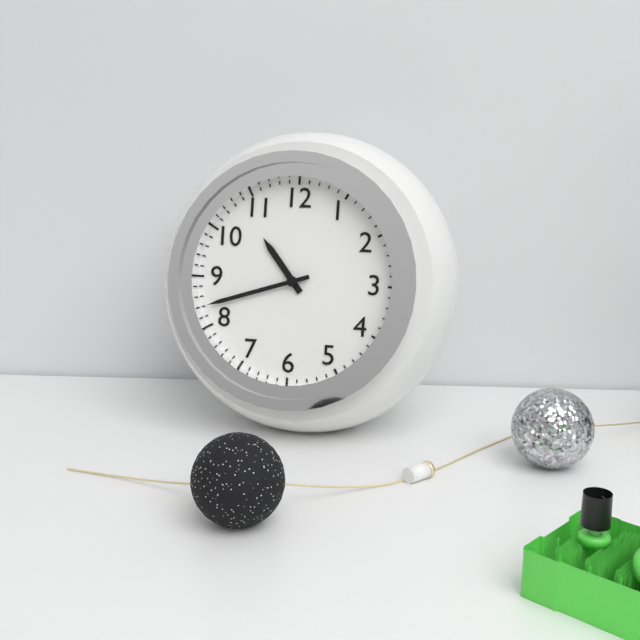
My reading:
10h42
